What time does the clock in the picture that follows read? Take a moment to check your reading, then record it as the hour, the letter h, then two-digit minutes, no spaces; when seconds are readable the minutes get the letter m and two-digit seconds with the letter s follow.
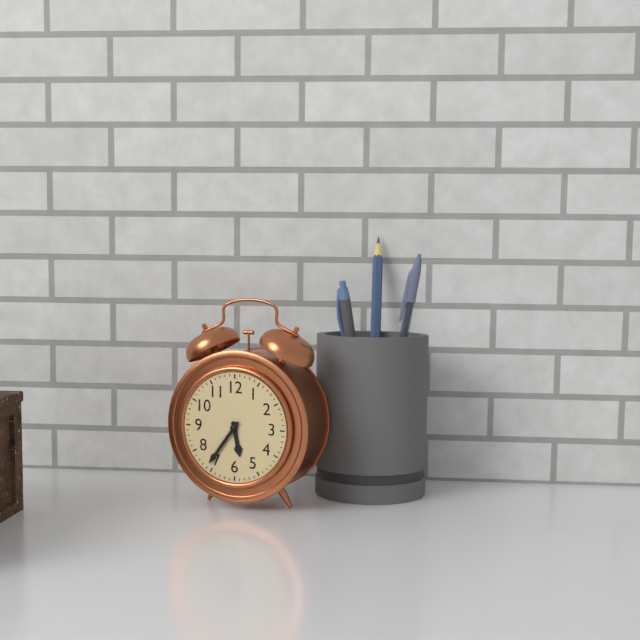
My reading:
5h36
